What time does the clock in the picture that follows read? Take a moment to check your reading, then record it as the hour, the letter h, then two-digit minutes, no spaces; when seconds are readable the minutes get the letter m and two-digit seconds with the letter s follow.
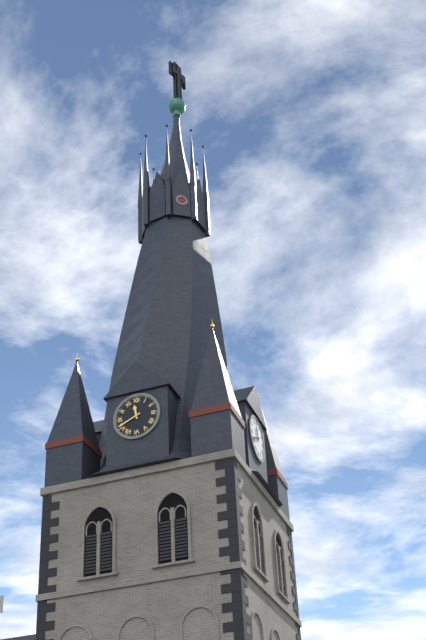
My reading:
11h41
